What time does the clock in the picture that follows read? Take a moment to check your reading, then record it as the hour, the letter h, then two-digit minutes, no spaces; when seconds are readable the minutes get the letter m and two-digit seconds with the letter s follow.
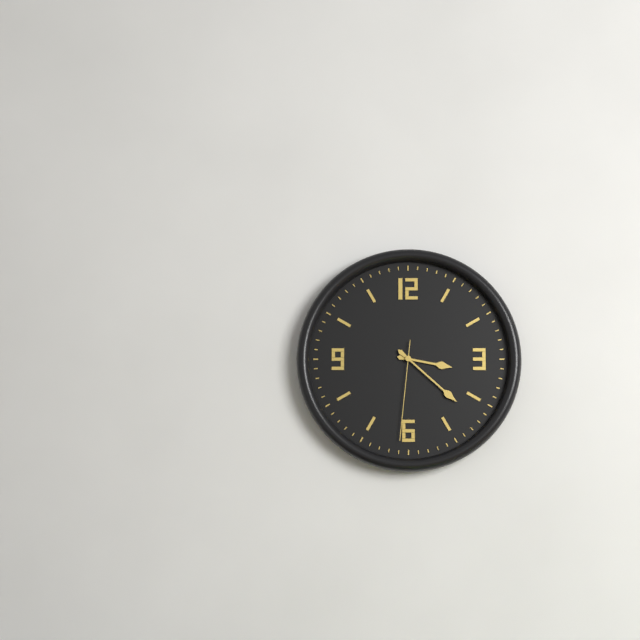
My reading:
3h22m31s
